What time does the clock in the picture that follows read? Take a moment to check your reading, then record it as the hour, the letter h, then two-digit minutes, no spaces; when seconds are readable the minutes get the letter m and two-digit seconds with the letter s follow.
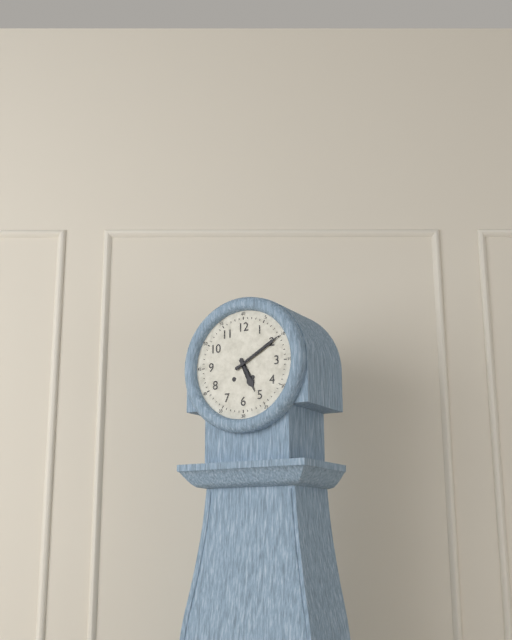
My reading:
5h10
